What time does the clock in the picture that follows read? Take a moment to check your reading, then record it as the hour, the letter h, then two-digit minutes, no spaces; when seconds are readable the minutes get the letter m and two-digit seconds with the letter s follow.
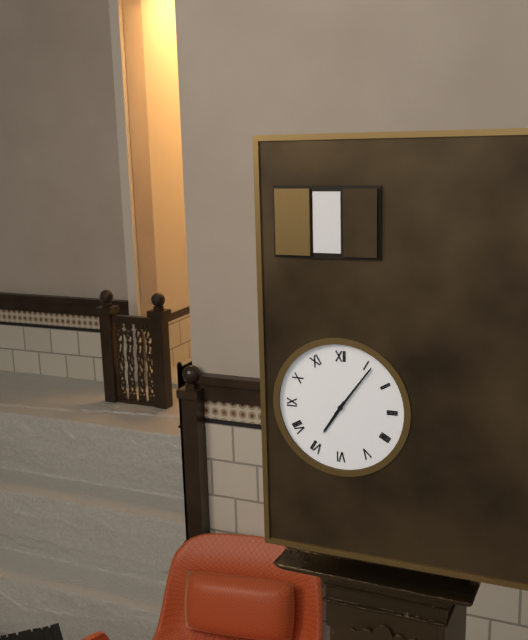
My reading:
7h06
